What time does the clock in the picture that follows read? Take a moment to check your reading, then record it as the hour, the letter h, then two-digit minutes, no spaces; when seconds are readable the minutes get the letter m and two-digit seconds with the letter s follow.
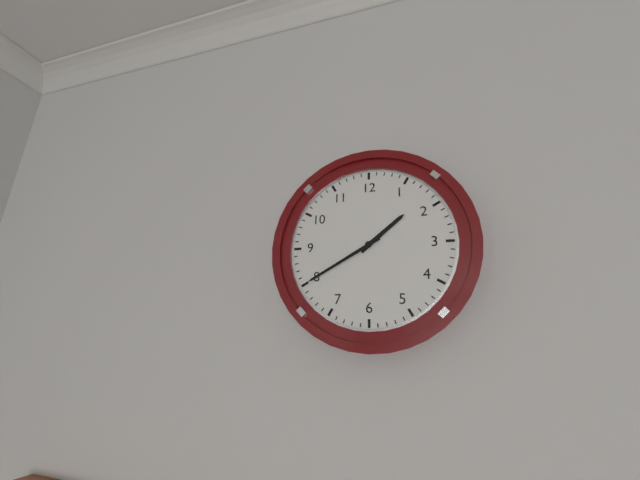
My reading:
1h40
